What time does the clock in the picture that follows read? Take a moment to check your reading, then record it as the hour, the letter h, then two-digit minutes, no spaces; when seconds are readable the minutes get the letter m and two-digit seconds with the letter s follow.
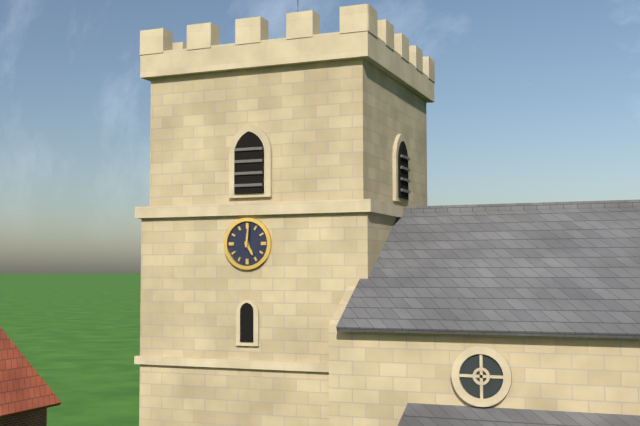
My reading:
5h01
